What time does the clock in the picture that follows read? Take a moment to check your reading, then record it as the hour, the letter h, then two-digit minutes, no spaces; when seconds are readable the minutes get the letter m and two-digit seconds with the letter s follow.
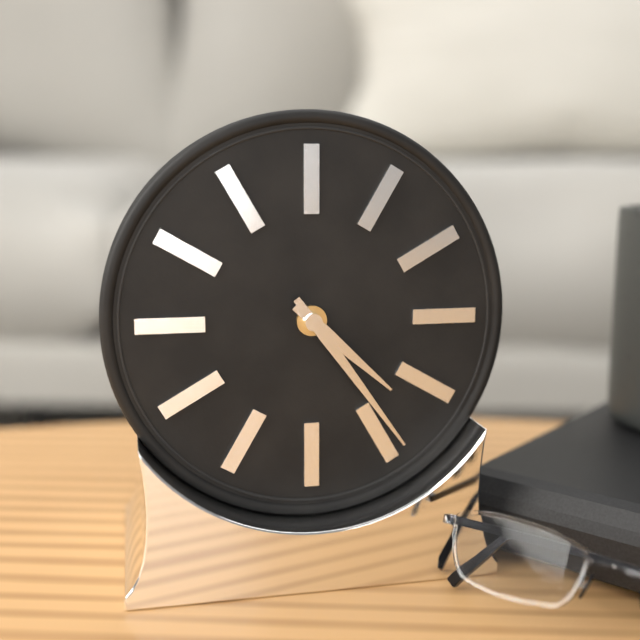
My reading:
4h24
